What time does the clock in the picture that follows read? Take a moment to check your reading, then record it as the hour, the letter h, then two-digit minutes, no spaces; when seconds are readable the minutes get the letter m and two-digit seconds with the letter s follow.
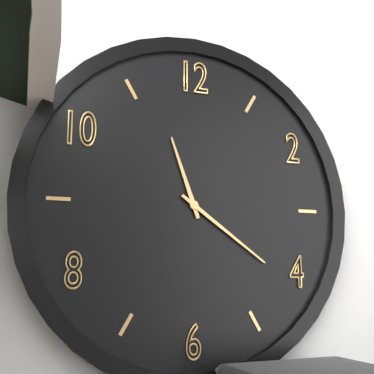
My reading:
11h21
